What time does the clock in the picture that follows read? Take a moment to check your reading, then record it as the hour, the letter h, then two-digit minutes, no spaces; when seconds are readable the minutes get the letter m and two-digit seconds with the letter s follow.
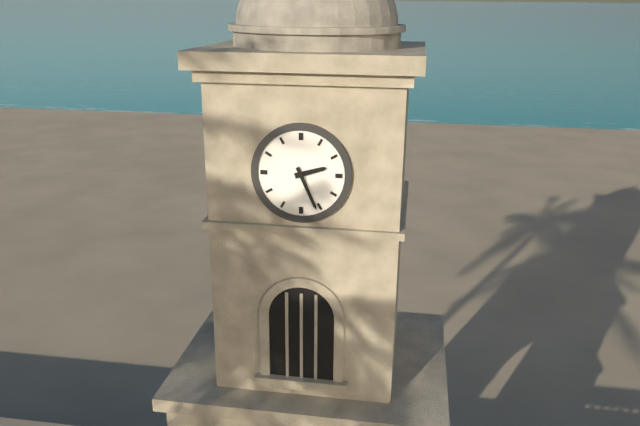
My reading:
2h26
